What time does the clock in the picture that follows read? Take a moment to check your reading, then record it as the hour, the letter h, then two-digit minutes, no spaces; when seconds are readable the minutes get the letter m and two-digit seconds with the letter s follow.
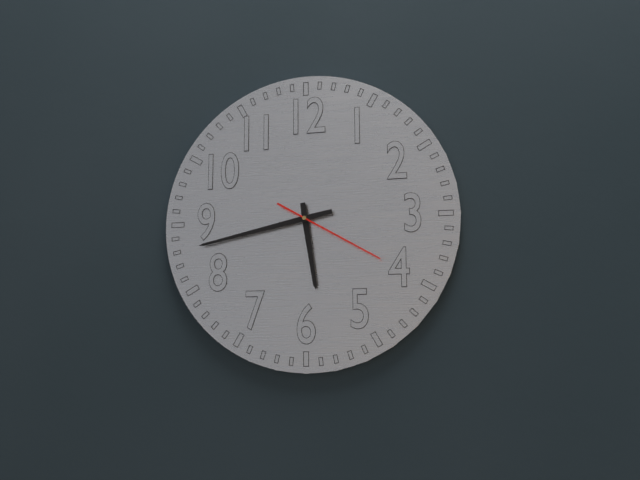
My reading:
5h43m20s
